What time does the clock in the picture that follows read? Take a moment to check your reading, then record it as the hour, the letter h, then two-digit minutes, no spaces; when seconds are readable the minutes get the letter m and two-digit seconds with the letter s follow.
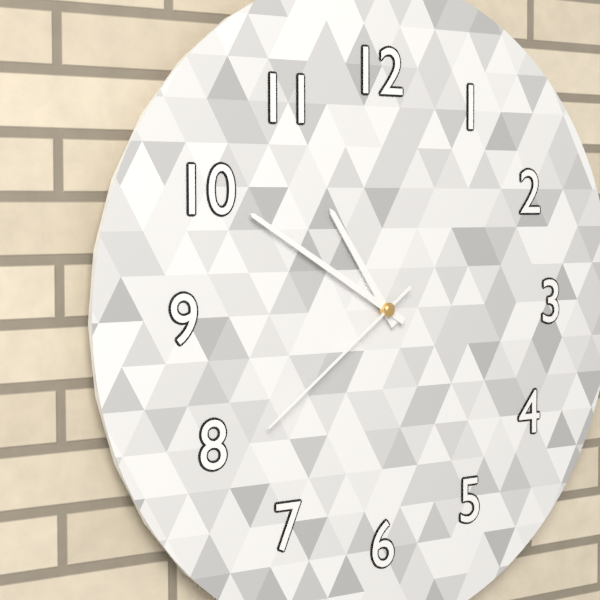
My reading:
10h50m39s
